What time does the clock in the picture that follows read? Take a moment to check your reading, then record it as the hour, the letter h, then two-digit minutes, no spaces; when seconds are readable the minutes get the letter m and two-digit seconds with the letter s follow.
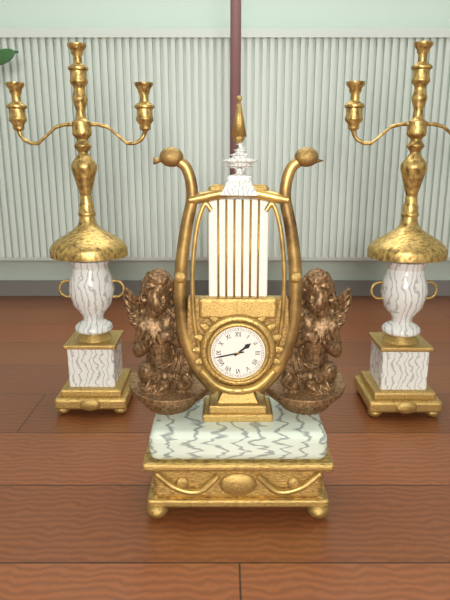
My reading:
1h43
